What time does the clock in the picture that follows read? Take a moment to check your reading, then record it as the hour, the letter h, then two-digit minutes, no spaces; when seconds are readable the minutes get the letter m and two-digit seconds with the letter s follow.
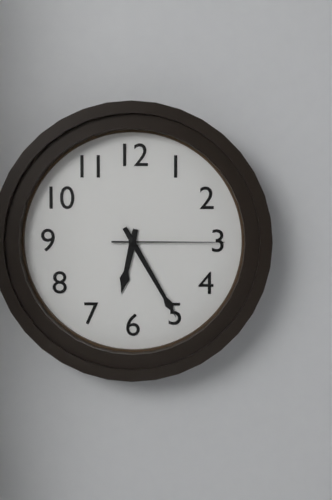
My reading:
6h25m15s
